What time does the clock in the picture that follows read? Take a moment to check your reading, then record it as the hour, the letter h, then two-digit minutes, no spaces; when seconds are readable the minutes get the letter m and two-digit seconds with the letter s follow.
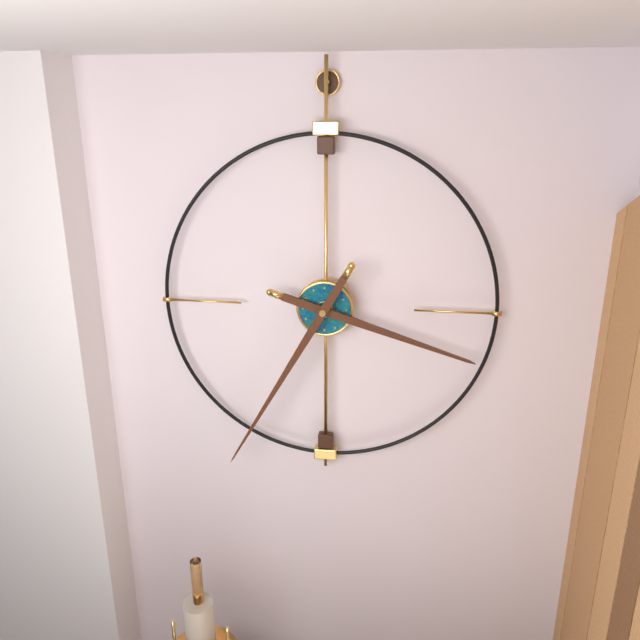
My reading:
3h35
